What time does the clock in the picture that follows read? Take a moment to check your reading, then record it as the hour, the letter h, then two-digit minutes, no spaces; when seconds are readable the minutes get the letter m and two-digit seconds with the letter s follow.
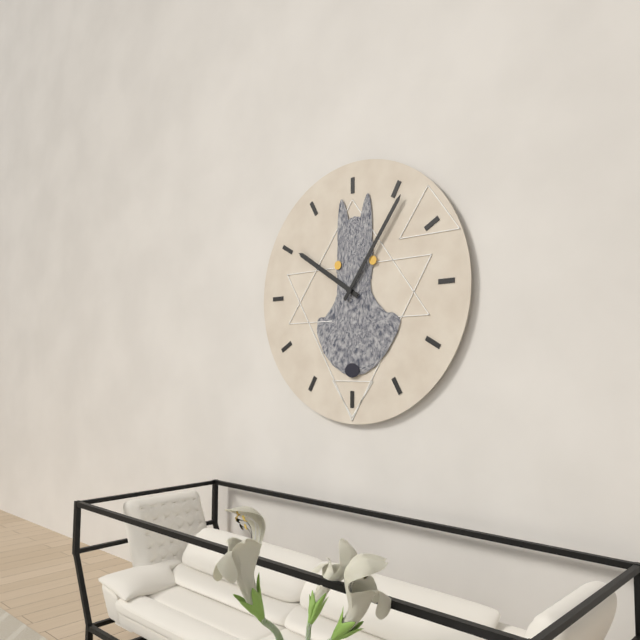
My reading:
10h06
